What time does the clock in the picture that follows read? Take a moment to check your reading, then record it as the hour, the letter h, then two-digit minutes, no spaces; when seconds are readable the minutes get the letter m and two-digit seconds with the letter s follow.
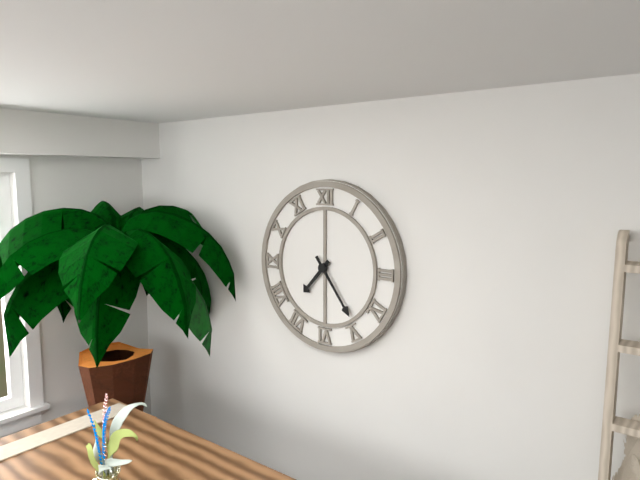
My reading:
7h24
